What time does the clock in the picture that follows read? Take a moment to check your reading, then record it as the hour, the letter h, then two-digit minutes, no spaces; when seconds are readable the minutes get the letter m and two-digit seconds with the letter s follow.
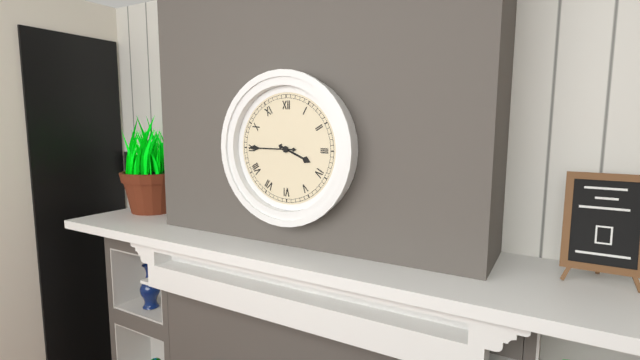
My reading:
3h45
